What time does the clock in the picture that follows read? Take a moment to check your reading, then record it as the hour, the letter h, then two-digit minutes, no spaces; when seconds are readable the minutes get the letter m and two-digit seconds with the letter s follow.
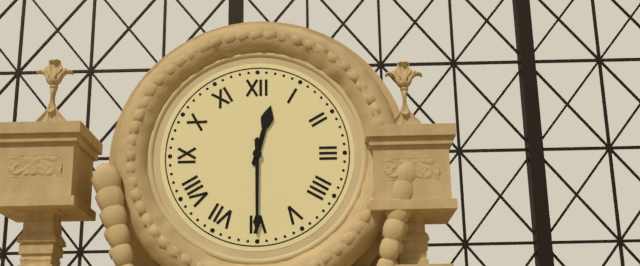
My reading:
12h30
